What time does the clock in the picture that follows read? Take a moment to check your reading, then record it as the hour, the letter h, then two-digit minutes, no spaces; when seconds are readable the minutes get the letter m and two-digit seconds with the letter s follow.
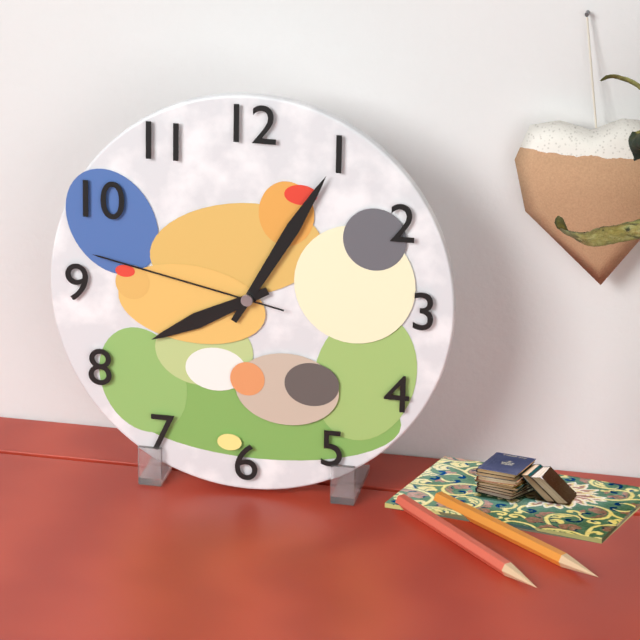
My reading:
8h05m47s
